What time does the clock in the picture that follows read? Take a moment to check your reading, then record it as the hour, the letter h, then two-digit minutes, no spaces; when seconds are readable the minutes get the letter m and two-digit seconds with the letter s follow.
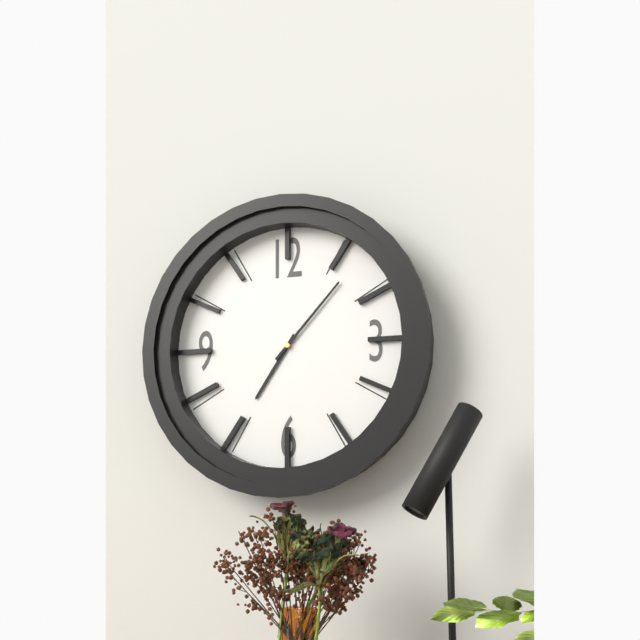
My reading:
7h07
